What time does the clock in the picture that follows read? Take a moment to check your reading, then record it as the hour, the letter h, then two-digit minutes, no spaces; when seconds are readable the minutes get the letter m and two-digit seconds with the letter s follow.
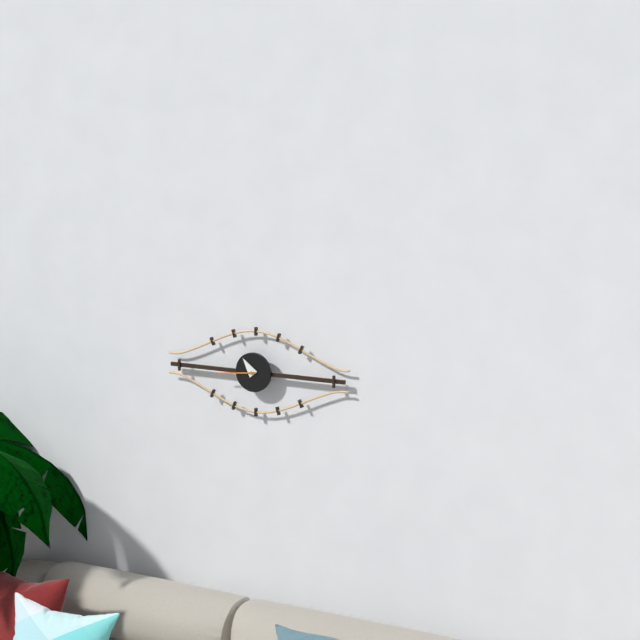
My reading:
10h44
